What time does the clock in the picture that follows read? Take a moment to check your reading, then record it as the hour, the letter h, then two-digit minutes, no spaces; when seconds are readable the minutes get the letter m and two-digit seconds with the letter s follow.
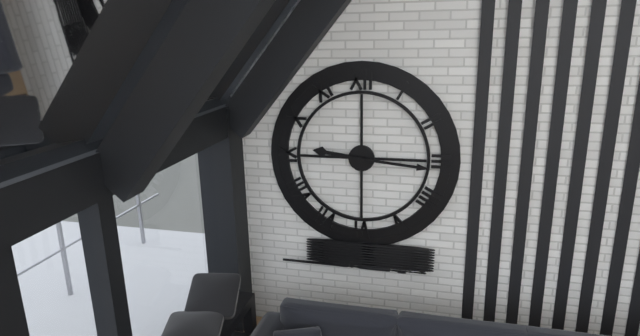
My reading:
9h16
